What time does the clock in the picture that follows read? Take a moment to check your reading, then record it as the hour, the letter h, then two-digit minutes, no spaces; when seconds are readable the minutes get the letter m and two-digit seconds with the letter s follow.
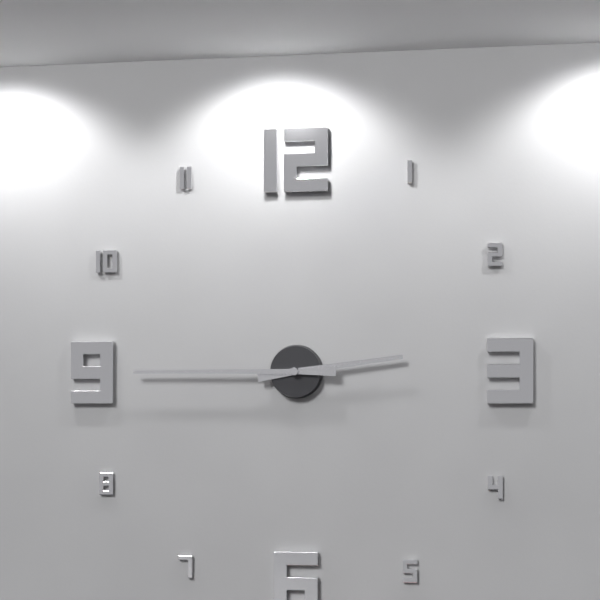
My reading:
2h45
